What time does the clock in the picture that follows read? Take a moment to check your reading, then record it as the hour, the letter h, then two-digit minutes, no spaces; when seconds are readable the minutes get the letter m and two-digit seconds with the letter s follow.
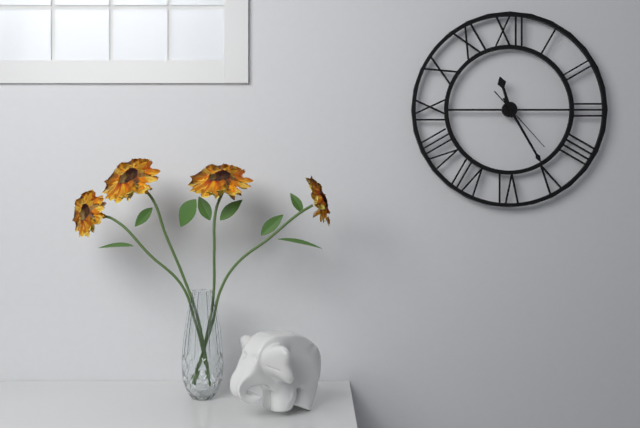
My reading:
11h25m23s
